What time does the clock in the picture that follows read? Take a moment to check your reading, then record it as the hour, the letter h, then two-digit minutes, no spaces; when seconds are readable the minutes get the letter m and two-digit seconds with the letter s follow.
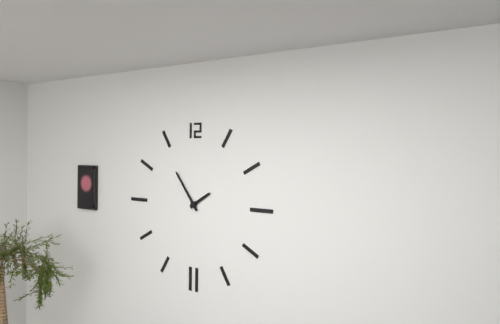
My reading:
1h54
